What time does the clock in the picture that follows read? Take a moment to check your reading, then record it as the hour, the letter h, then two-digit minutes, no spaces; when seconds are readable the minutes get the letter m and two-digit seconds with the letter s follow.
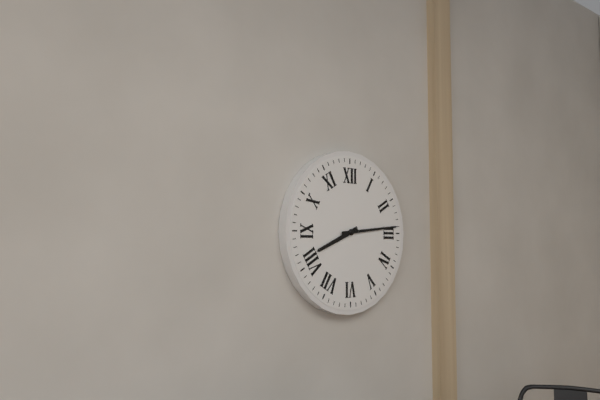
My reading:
8h14
